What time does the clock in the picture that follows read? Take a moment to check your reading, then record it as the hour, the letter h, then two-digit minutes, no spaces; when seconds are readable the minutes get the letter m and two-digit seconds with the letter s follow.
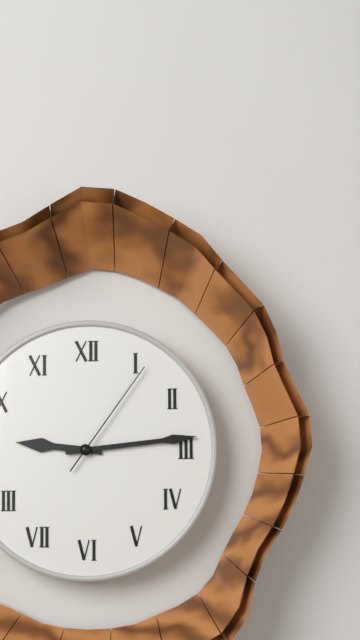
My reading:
9h14m06s
